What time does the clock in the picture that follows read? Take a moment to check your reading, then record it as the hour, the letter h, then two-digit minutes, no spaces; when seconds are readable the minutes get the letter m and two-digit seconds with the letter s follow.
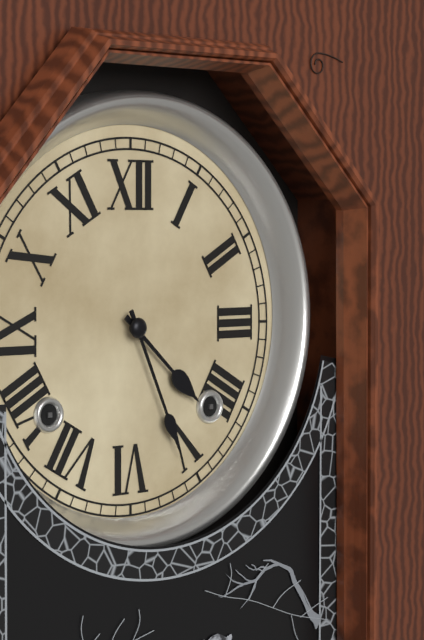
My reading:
4h26
